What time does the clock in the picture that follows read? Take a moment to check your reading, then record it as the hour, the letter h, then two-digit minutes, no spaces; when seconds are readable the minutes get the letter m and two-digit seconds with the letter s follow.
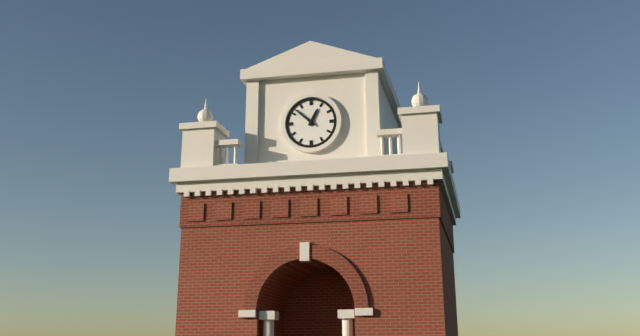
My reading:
12h52
